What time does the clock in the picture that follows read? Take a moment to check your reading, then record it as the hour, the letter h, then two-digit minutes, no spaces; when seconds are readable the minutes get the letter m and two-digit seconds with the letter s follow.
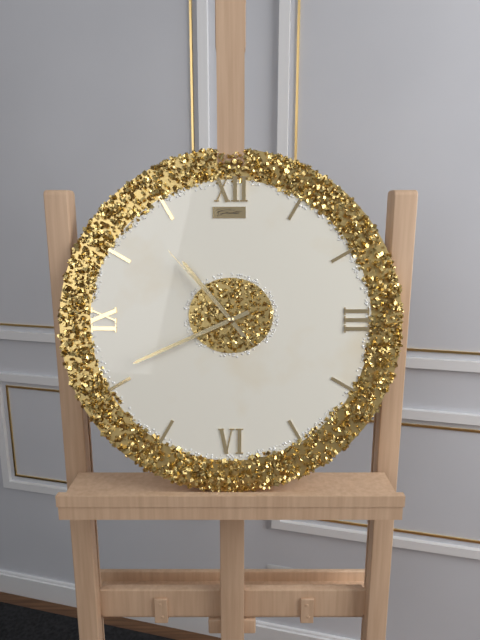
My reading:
10h41m53s
